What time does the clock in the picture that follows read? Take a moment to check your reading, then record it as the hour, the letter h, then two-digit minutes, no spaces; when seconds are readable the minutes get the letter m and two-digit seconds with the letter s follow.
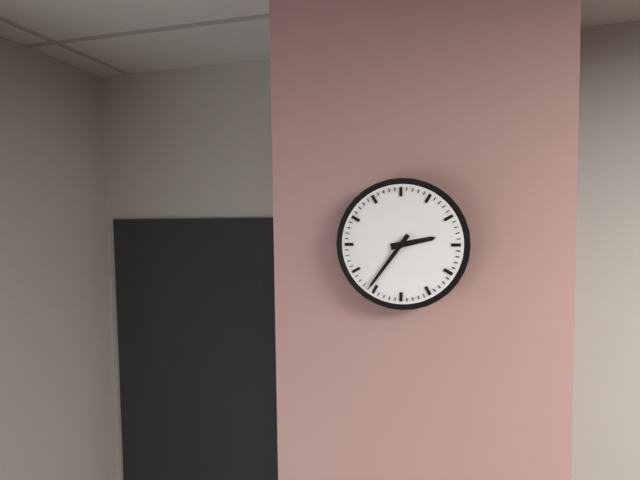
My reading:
2h36
